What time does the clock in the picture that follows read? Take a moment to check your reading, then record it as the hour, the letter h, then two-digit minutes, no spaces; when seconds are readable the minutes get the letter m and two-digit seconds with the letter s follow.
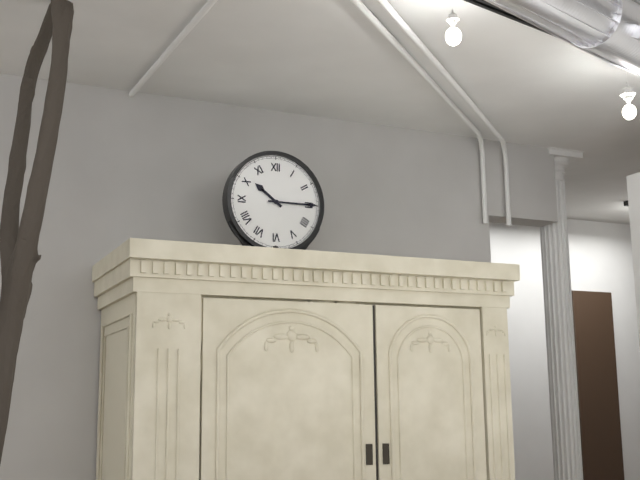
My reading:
10h15
